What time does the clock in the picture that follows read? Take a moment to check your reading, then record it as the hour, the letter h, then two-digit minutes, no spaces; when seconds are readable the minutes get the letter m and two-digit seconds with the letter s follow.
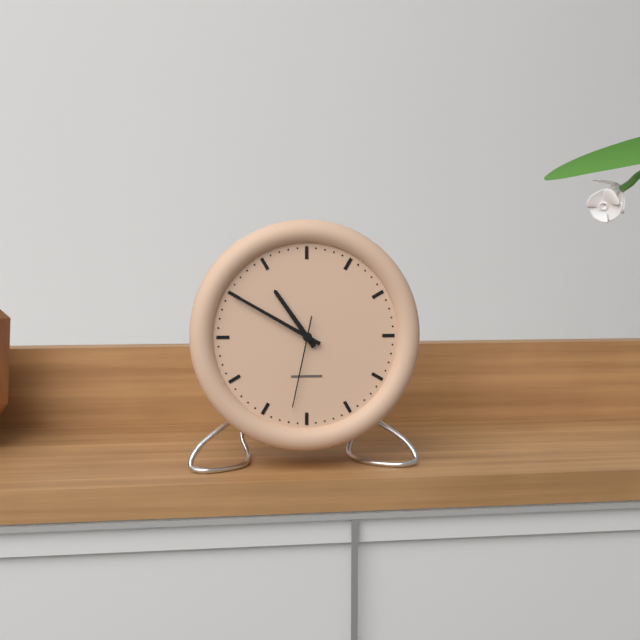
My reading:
10h50m32s
